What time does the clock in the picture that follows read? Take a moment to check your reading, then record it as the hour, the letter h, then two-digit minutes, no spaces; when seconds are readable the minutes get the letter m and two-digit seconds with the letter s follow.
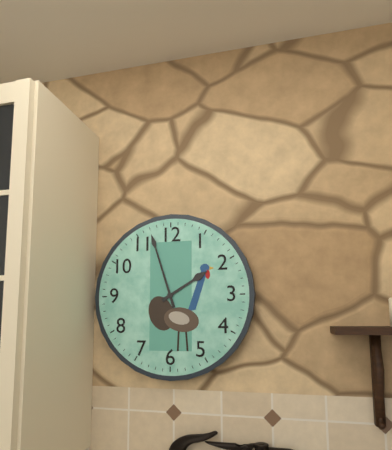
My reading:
1h57
